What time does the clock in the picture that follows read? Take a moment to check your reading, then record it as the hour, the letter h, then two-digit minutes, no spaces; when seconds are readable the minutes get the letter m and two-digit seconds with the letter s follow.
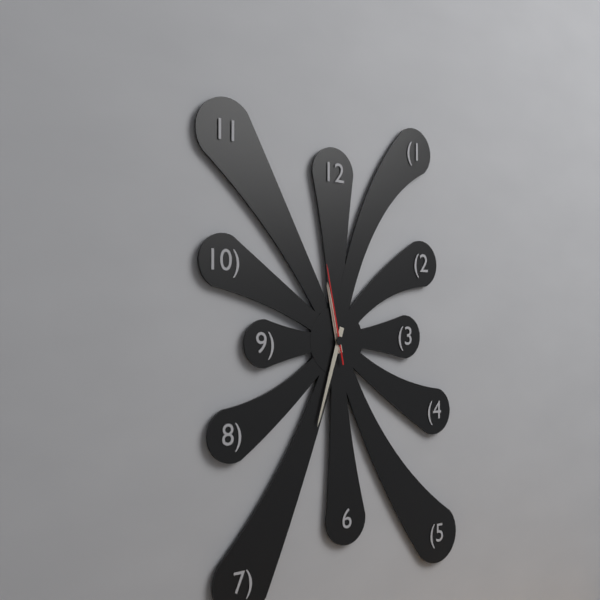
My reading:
11h33m58s
